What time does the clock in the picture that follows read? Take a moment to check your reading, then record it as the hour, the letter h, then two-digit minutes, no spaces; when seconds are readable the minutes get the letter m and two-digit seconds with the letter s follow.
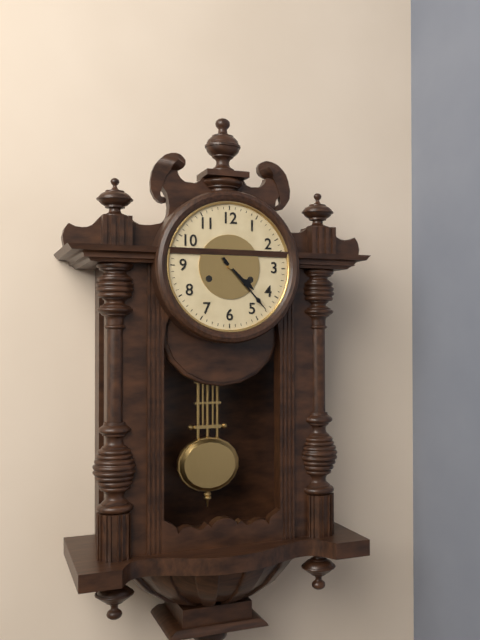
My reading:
4h23
